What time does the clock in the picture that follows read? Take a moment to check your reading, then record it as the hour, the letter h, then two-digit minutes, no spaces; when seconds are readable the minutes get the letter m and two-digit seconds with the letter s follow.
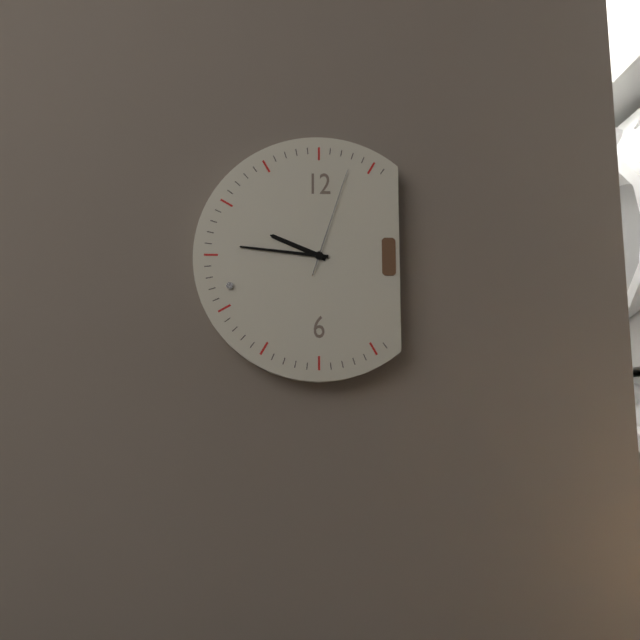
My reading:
9h46m03s
